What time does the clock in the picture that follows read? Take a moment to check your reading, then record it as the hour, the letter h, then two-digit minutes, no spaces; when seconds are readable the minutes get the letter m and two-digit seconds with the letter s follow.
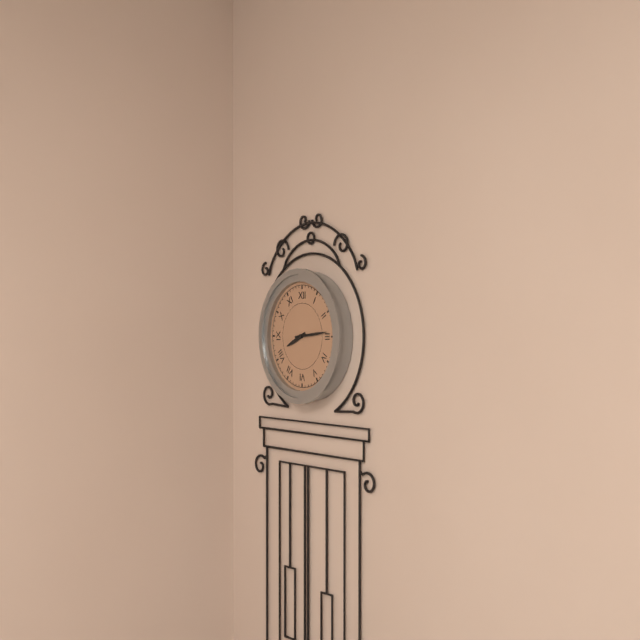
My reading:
8h14
